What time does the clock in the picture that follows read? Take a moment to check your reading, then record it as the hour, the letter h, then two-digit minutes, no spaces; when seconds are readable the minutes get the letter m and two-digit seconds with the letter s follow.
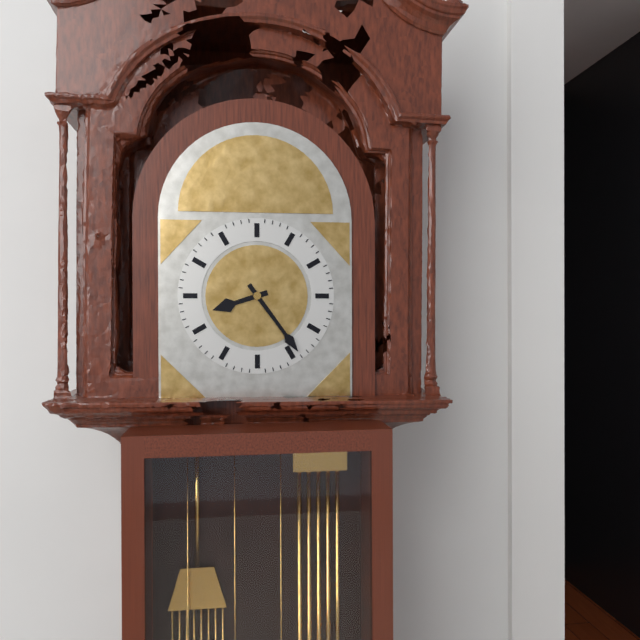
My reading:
8h24
